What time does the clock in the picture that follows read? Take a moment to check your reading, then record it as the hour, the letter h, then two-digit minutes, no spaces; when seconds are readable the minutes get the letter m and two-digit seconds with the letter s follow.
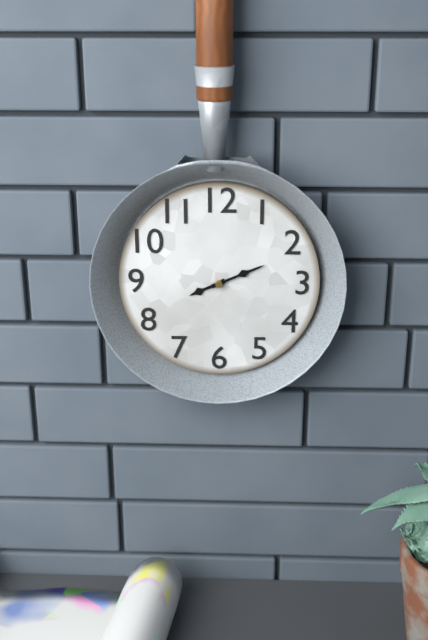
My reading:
8h11
